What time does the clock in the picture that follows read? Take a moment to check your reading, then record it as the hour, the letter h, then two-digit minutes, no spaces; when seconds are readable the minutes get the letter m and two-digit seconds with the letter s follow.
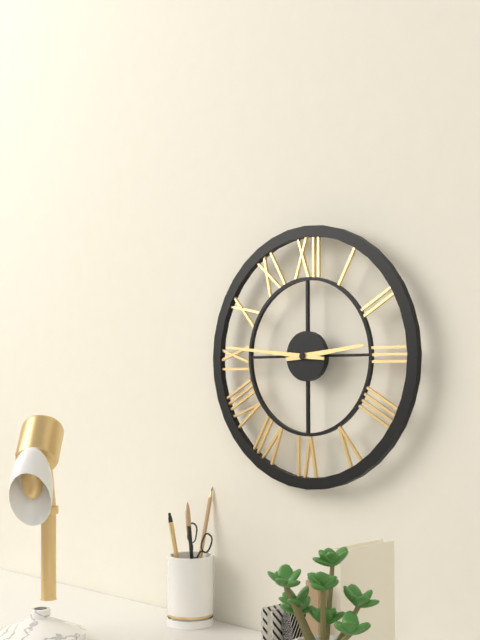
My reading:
2h46
